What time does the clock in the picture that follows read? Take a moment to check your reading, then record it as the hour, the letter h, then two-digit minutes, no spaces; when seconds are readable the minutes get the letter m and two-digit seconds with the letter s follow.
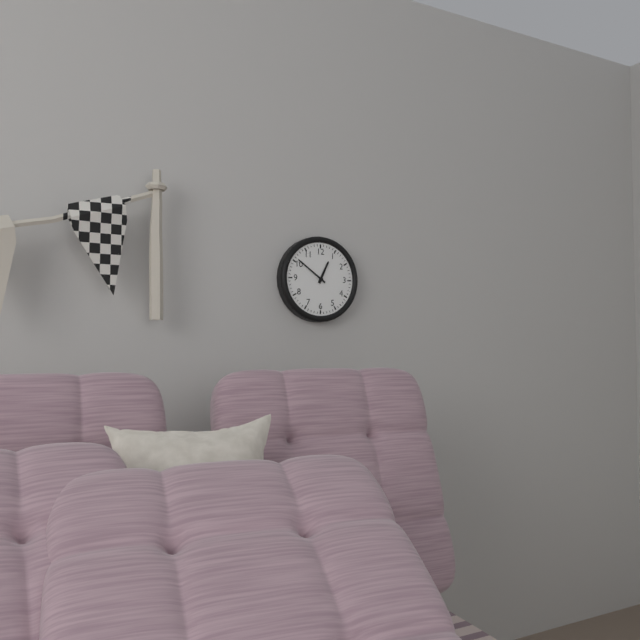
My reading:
12h51
